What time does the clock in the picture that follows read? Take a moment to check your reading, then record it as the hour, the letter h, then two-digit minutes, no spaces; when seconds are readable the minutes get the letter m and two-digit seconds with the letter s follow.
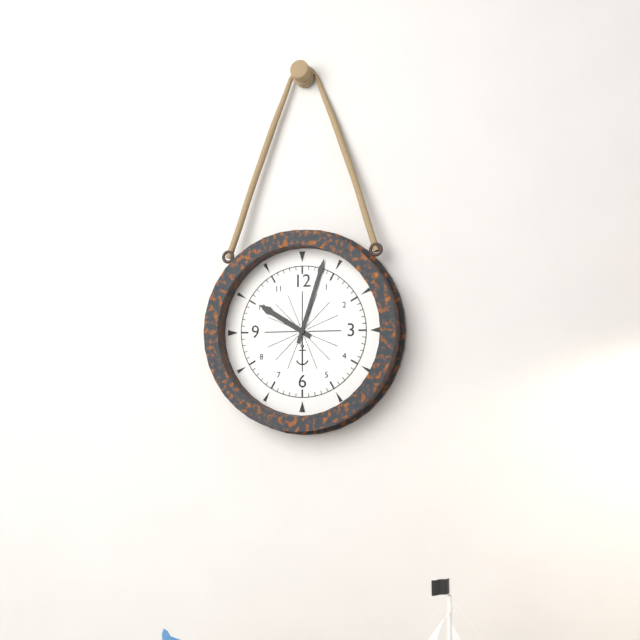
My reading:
10h03
